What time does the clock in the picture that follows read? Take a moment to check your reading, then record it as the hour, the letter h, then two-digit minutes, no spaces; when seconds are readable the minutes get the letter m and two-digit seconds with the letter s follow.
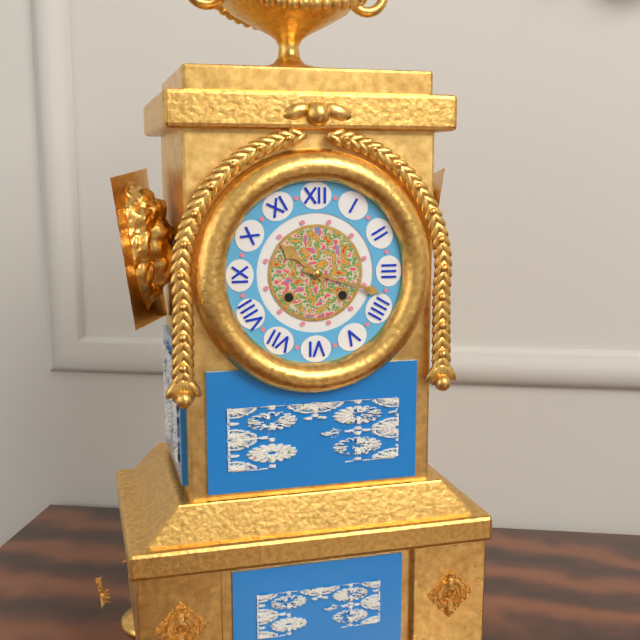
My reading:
10h18
